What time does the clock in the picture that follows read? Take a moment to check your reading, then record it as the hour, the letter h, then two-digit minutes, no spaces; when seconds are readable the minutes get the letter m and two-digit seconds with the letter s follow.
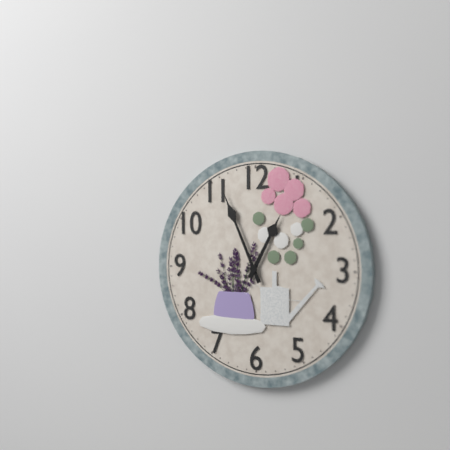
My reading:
12h56
